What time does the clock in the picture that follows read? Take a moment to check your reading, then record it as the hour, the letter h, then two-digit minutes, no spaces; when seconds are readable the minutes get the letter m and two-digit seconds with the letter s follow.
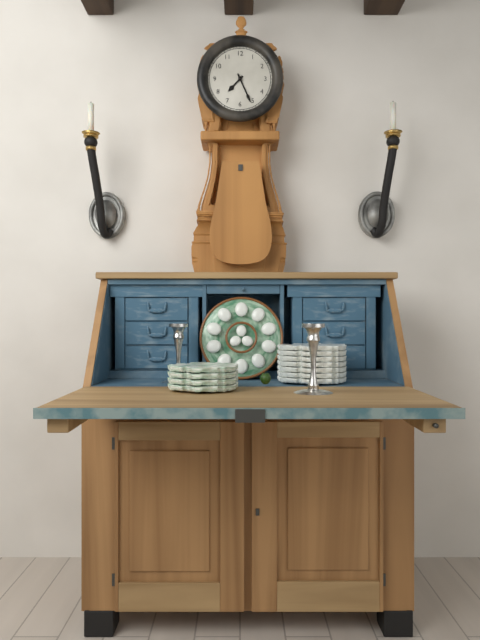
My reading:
7h26
